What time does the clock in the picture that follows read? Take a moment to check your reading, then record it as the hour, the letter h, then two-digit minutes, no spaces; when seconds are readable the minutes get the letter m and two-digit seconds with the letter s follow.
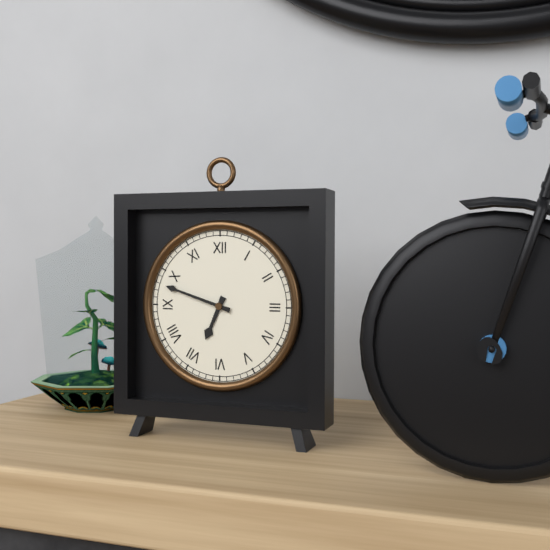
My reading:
6h48
